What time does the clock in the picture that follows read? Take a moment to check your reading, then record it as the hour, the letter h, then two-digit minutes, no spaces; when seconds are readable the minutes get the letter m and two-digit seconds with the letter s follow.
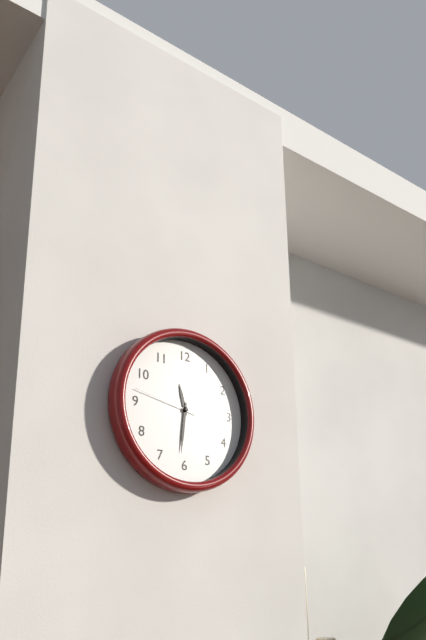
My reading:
11h31m47s
